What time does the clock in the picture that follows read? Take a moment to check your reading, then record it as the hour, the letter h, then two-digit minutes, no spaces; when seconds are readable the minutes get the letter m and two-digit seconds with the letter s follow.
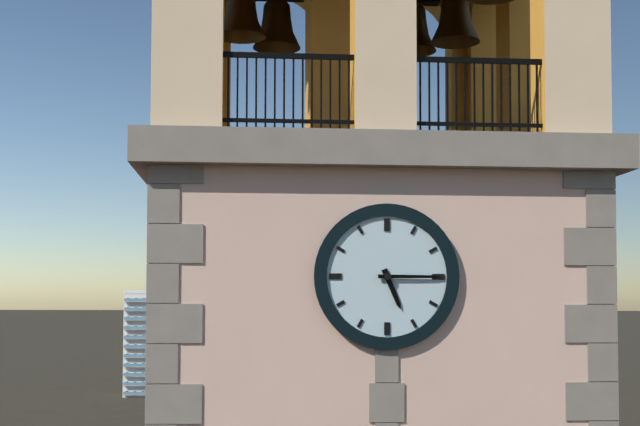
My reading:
5h15
